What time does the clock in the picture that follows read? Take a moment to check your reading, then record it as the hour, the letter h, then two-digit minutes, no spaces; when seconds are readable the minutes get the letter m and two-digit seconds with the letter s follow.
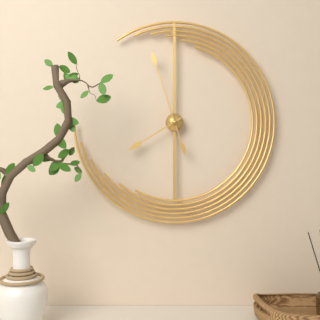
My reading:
7h57
